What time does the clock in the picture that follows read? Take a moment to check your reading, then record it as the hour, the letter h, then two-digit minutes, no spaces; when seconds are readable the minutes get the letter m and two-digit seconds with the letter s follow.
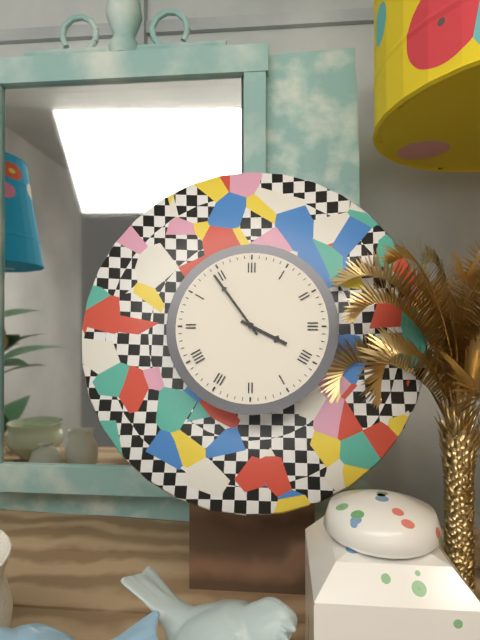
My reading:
3h54
